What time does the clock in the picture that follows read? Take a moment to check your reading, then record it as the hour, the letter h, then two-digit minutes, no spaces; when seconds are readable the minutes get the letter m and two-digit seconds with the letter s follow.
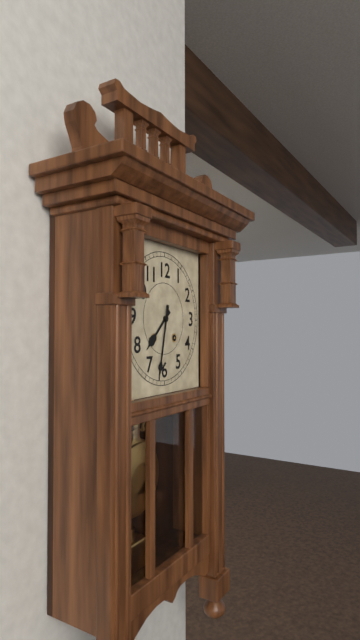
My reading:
7h32
